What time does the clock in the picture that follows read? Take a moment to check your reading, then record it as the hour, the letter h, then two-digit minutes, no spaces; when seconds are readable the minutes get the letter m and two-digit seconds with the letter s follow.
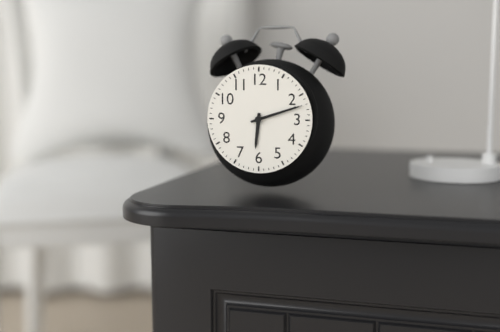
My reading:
6h12
